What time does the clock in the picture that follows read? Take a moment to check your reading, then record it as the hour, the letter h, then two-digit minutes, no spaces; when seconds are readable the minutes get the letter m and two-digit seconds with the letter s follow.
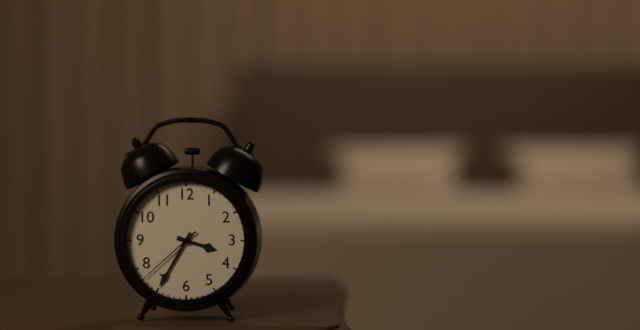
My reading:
3h35m38s
